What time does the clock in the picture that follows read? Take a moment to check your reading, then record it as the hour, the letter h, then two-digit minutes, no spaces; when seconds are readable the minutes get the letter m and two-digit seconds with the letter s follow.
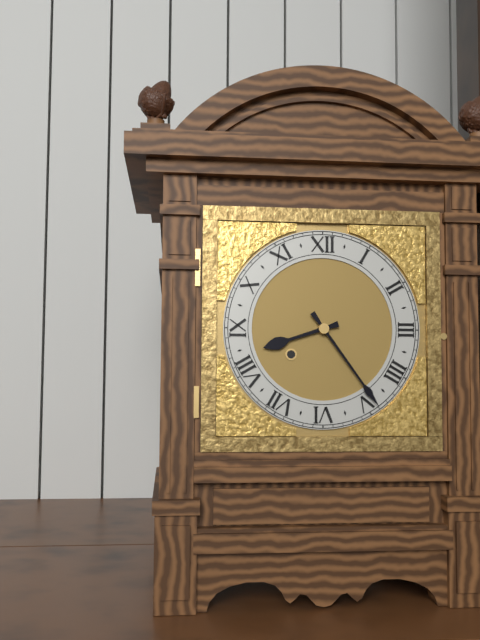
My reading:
8h24
